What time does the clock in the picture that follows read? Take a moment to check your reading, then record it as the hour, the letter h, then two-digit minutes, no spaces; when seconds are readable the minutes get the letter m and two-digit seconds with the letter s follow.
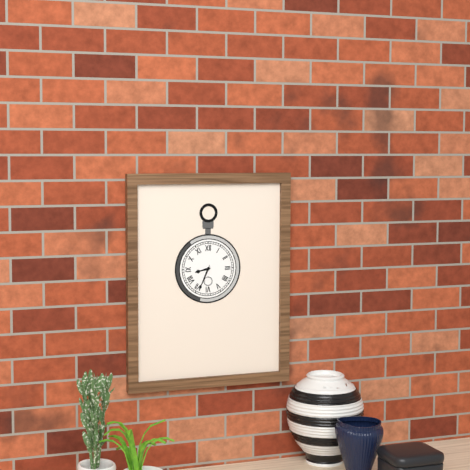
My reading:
8h34
